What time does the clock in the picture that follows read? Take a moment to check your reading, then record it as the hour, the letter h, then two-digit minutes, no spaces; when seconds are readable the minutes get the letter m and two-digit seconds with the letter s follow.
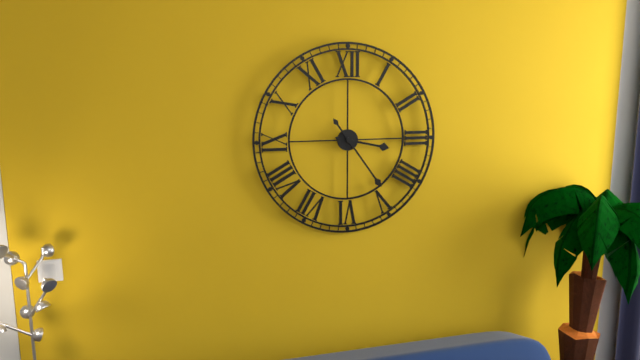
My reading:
3h24
